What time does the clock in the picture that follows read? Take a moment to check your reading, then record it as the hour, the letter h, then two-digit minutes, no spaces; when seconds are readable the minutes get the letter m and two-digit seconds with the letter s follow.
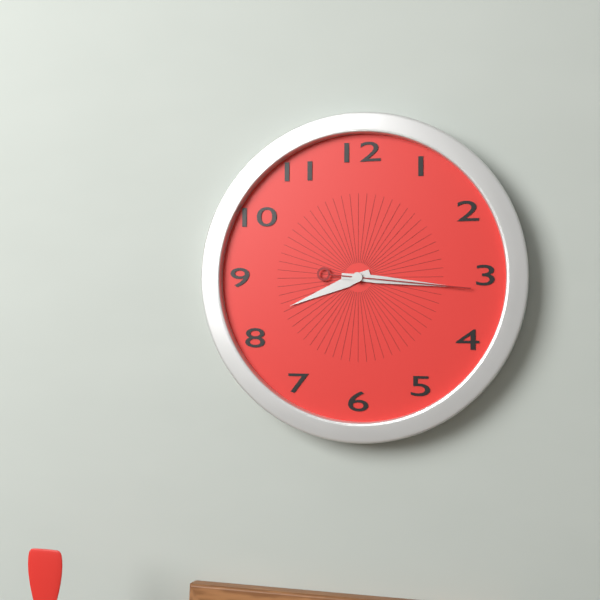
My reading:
8h16m16s
